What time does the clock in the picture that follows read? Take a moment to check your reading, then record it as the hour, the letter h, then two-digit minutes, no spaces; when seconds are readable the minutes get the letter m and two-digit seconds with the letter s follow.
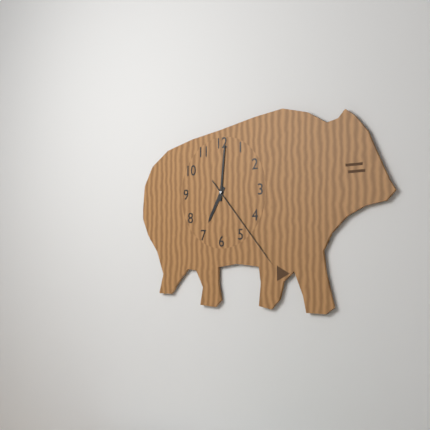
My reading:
7h01m23s
